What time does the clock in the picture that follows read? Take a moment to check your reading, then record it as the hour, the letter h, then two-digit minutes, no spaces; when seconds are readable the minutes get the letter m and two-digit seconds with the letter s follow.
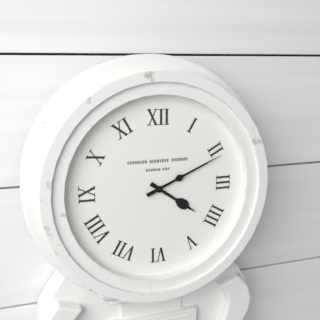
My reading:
4h11
